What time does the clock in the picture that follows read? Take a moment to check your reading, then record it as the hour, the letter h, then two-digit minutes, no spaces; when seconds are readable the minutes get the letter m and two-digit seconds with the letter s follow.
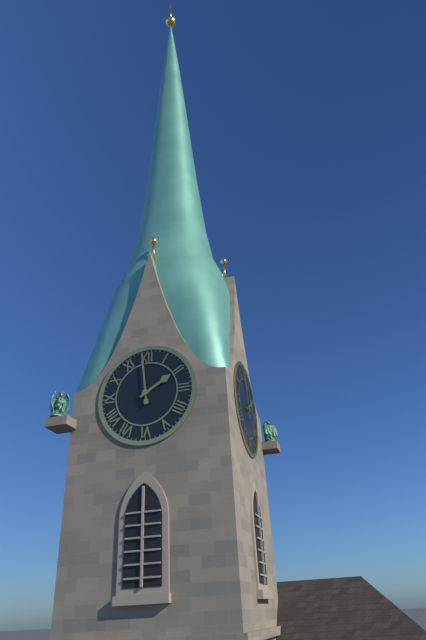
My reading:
1h59
